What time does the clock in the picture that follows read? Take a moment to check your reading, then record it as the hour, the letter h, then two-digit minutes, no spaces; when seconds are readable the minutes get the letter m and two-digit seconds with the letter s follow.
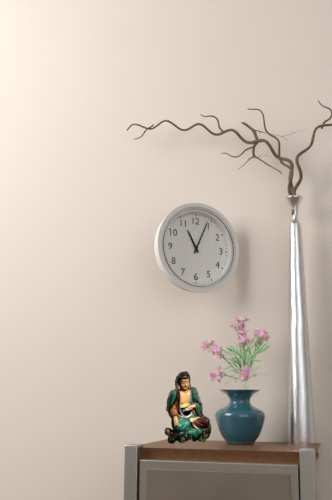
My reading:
11h04
